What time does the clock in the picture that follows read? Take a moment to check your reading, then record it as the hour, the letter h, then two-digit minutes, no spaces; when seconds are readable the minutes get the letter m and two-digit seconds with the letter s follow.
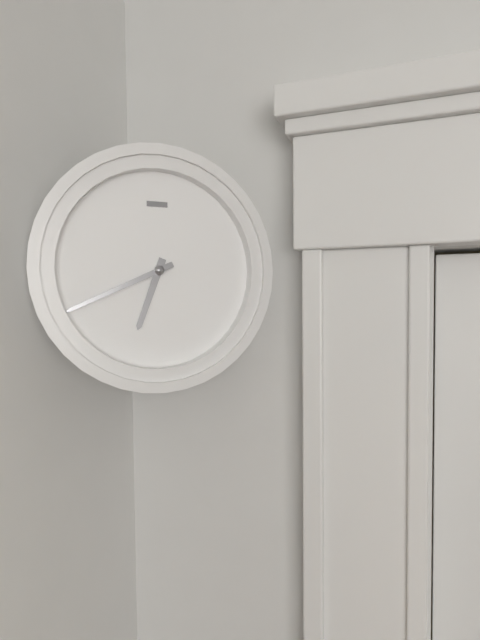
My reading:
6h41
